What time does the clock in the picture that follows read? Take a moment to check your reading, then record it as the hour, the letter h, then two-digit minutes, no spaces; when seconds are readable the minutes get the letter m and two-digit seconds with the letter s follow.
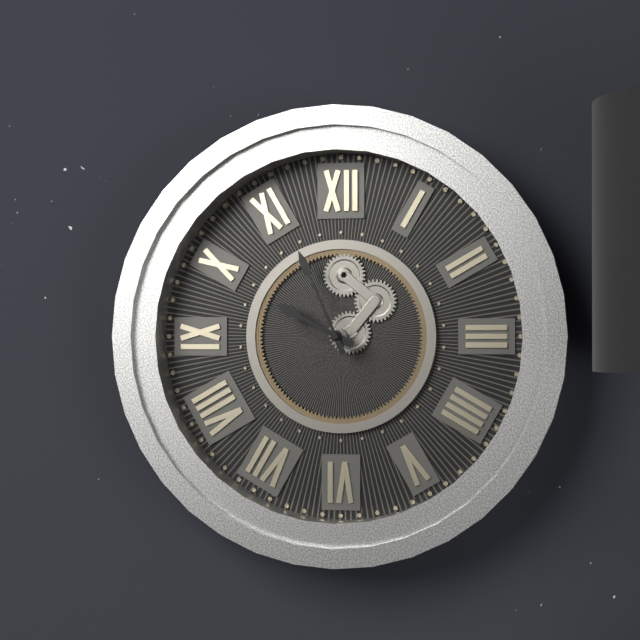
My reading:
9h56
